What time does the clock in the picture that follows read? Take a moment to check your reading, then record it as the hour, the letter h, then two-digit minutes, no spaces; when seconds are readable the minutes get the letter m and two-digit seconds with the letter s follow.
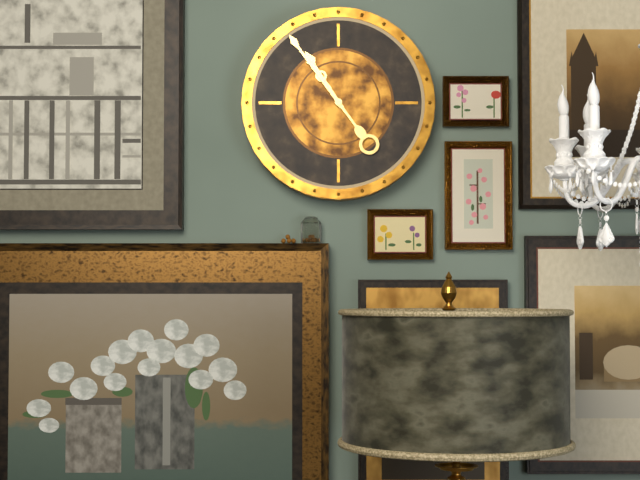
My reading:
10h54
